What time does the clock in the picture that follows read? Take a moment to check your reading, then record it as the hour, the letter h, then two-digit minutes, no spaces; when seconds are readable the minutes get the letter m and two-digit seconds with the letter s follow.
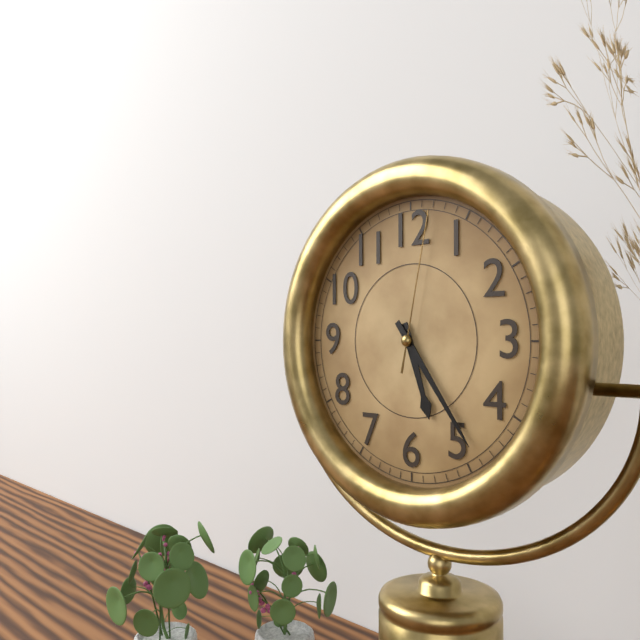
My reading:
5h24m02s
